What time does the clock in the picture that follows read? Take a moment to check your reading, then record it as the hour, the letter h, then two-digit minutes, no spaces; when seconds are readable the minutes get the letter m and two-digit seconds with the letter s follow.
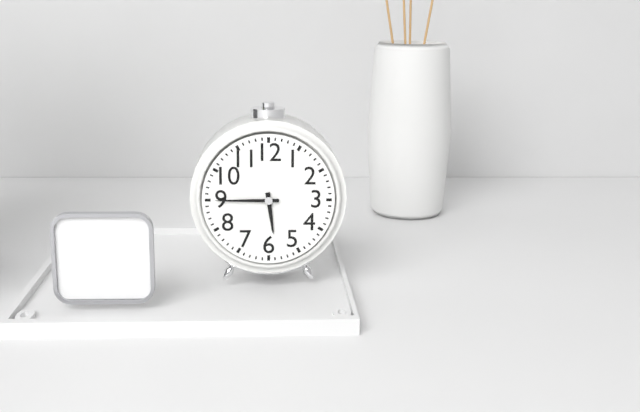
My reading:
5h45
